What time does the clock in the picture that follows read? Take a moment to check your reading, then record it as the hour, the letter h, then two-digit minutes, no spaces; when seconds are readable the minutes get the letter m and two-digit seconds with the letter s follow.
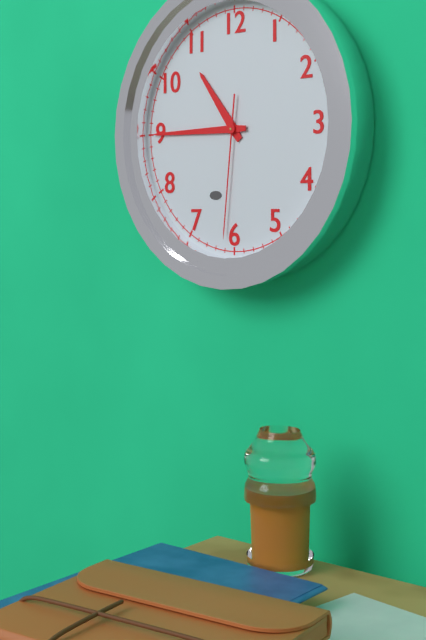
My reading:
10h45m31s
